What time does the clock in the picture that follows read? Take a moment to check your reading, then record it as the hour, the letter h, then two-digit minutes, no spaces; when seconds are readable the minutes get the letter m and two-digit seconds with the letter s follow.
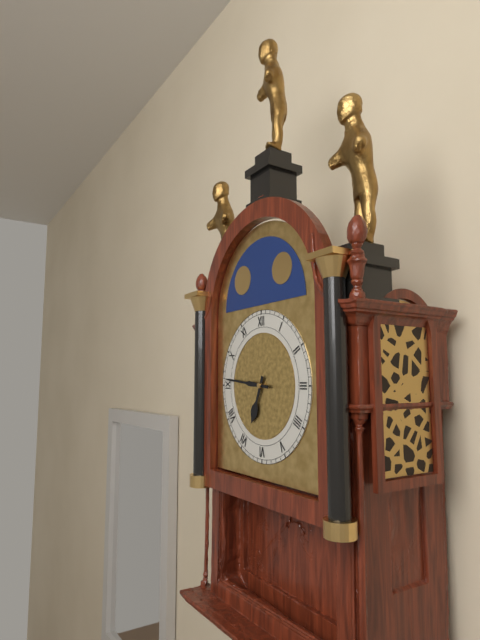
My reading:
6h46
